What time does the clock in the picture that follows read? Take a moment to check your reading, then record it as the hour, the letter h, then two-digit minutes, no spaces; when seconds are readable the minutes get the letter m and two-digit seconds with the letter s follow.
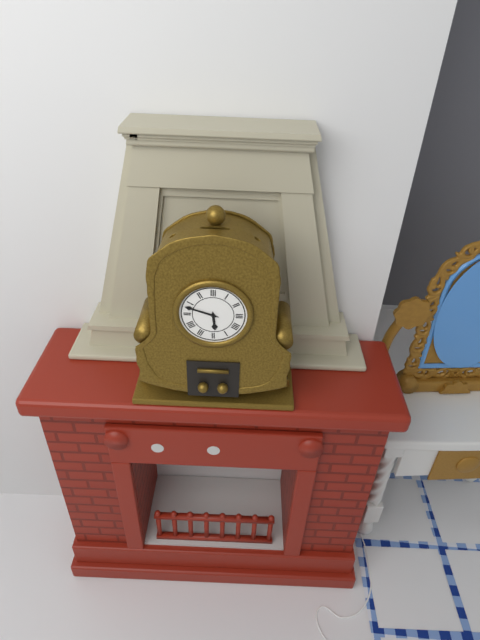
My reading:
5h48
